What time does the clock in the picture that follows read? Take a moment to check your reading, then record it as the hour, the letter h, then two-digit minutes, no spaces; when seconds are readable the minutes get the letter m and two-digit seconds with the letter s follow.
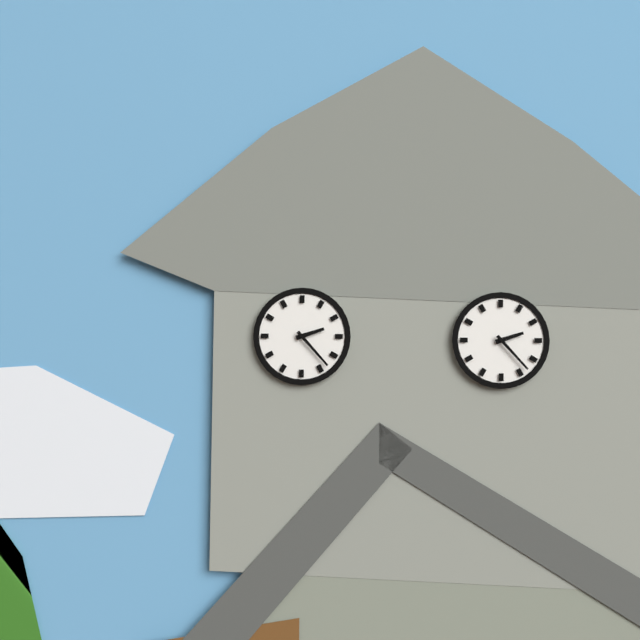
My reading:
2h23
